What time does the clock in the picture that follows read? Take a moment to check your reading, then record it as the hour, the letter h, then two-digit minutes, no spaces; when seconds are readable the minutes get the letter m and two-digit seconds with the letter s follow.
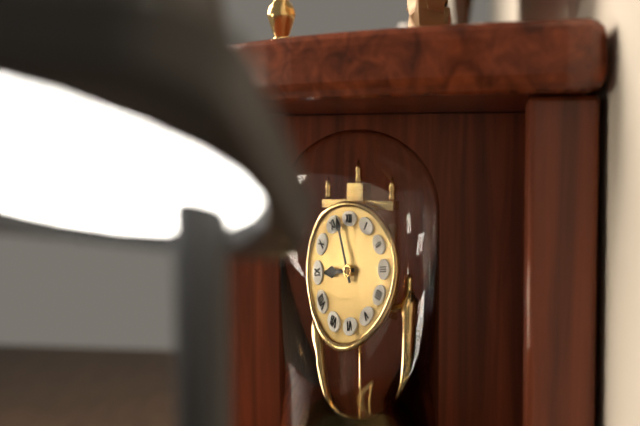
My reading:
8h57
